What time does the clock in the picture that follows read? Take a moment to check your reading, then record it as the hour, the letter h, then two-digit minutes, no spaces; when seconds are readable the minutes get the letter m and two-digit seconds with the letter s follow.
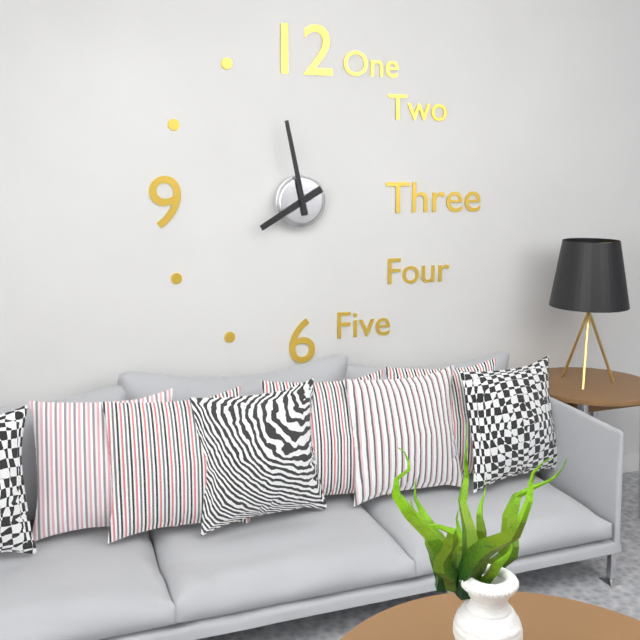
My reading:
7h58
